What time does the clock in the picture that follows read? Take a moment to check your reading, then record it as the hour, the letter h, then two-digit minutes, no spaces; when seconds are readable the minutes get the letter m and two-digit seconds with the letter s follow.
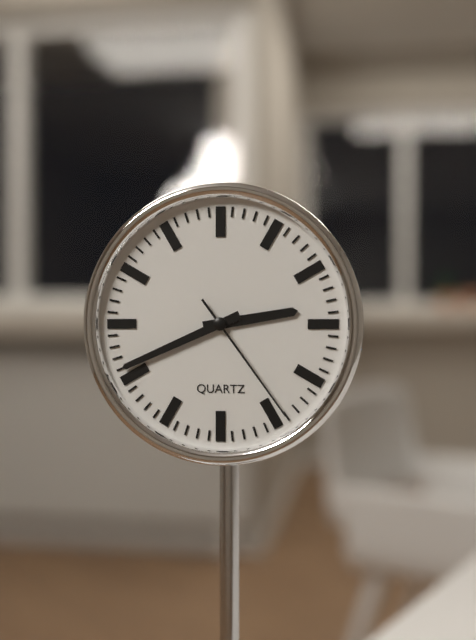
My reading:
2h41m24s
